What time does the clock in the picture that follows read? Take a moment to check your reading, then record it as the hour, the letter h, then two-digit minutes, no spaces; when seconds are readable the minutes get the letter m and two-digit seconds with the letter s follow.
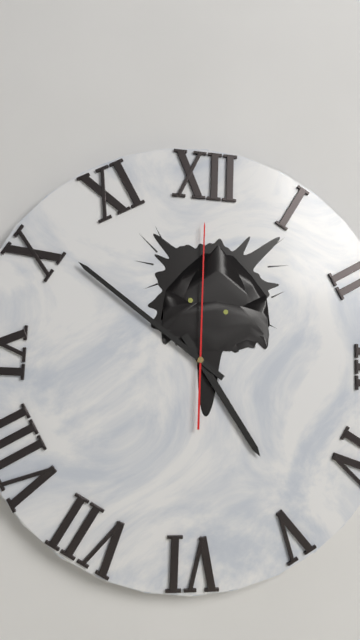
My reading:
4h51m00s
